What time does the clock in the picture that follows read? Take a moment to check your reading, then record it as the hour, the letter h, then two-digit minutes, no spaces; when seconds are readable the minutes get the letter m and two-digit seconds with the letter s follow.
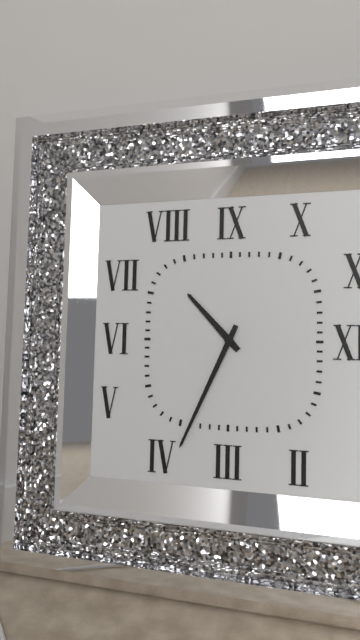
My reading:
10h34
